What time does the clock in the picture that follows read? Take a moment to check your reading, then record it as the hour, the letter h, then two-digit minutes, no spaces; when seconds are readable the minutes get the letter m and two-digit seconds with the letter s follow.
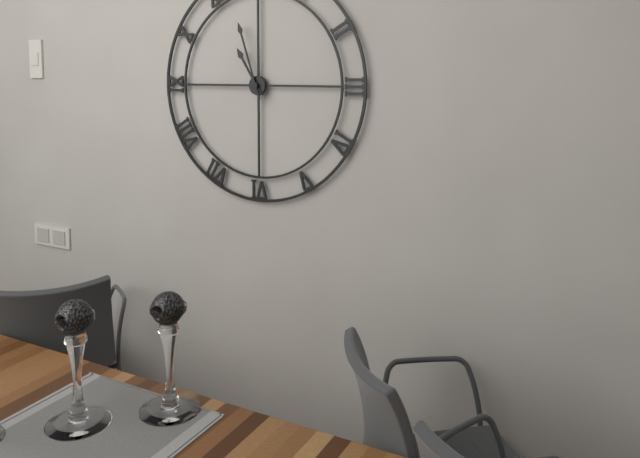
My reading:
10h57
